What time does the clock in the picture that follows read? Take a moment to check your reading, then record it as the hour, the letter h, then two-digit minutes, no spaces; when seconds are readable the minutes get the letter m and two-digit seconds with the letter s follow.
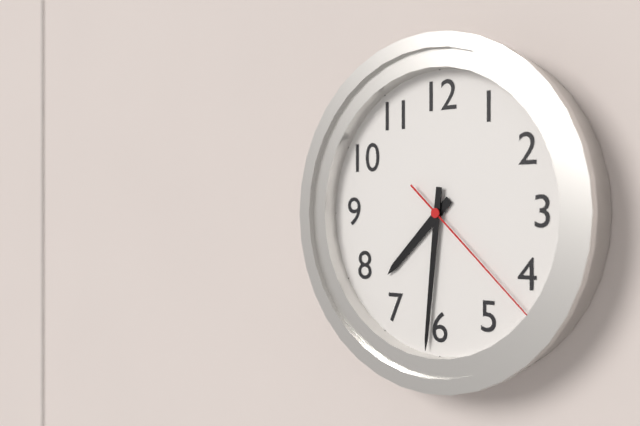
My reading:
7h31m22s
